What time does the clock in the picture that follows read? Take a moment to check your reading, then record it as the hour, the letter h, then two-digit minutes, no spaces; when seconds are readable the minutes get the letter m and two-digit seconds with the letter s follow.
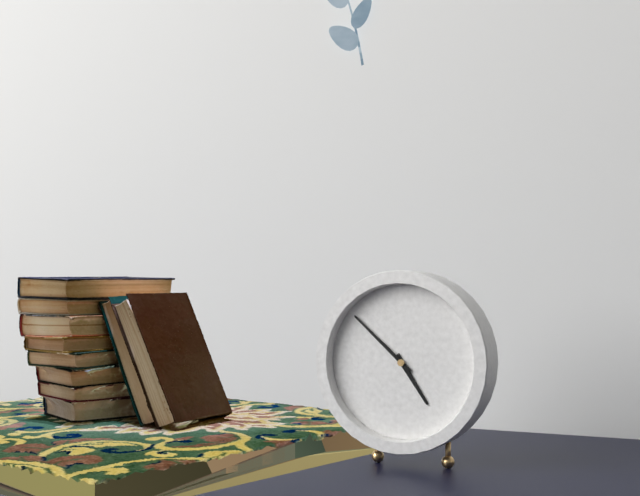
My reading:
4h52
